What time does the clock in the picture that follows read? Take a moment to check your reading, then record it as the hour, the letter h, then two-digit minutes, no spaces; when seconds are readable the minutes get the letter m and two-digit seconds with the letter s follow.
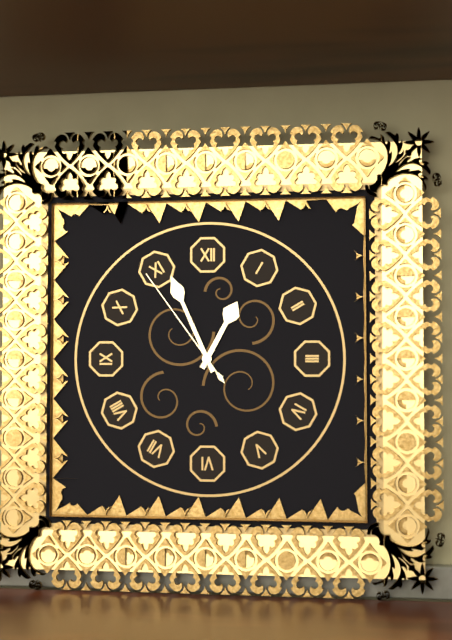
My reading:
12h56m54s
